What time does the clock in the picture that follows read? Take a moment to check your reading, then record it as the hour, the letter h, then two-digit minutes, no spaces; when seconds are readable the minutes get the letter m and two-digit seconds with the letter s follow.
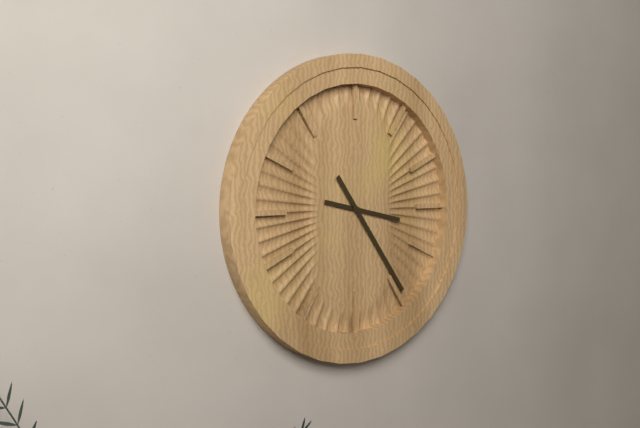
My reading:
3h24
